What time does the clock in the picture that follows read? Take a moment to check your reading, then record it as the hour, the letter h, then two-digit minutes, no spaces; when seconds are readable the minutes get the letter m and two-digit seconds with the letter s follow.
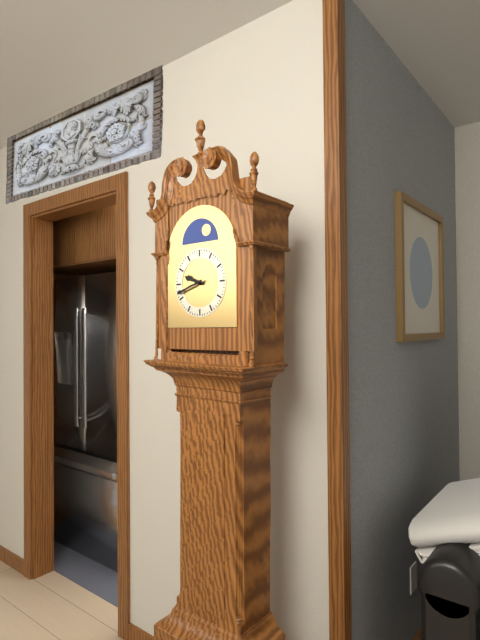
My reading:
9h42
